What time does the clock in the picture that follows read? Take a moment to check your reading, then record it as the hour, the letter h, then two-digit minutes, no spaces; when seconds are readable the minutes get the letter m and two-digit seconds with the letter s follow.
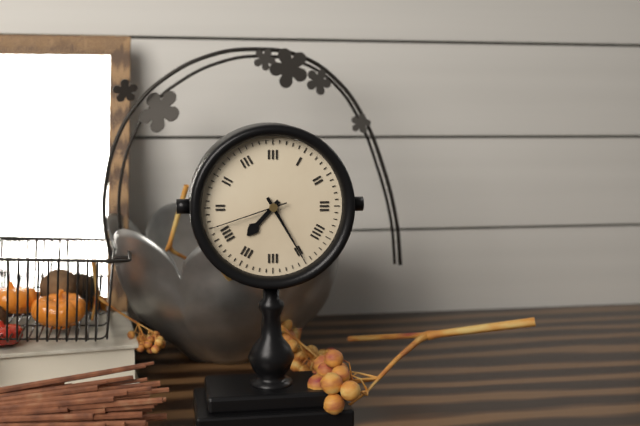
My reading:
7h25m42s
